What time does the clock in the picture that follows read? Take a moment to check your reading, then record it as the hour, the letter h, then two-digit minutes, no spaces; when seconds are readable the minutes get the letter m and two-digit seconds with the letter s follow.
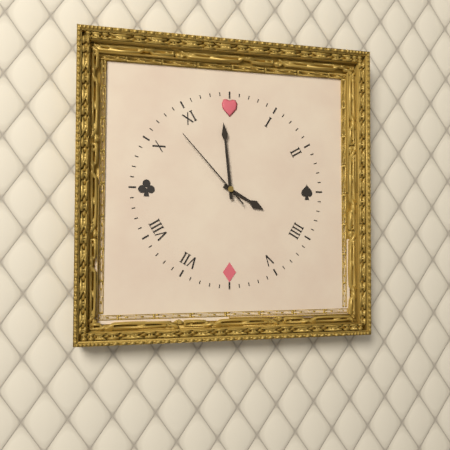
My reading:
3h59m53s
